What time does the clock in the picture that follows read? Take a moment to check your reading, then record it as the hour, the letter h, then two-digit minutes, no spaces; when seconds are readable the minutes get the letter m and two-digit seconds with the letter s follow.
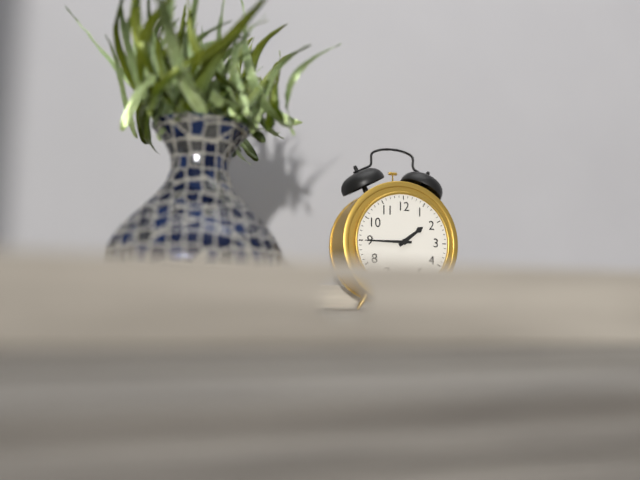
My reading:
1h45
